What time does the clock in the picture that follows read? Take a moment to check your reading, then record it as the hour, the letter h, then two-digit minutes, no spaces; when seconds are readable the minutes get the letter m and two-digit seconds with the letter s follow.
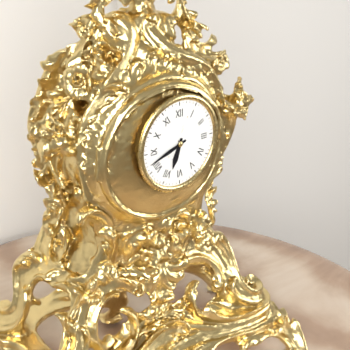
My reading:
6h42
